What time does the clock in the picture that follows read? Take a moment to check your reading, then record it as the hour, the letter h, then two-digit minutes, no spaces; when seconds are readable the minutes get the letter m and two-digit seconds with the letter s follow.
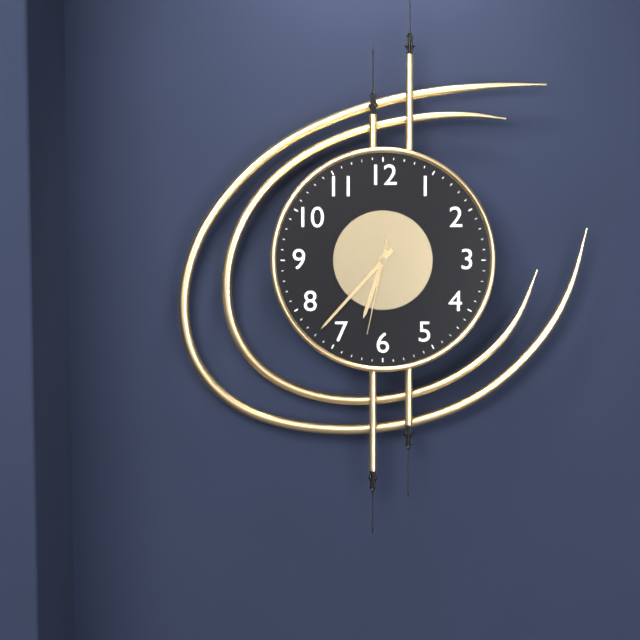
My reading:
6h37m32s
